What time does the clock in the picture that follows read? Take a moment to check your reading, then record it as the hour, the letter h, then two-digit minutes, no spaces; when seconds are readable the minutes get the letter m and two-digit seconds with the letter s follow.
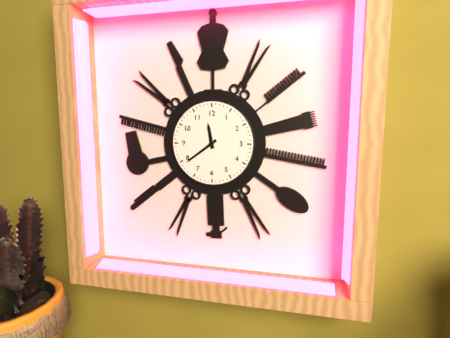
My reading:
11h39
